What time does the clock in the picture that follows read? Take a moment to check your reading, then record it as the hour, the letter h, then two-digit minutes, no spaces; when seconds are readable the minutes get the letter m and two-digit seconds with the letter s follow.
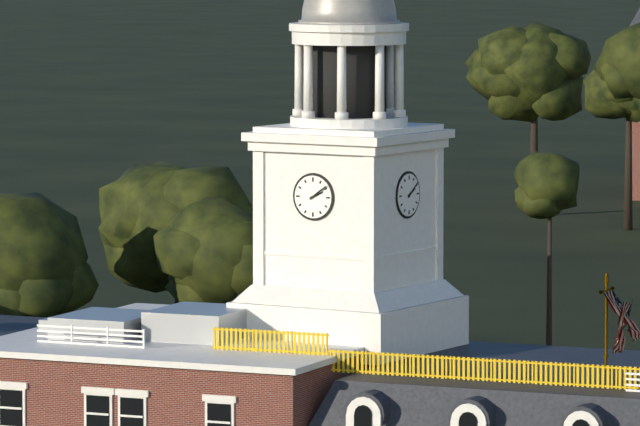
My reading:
2h09
